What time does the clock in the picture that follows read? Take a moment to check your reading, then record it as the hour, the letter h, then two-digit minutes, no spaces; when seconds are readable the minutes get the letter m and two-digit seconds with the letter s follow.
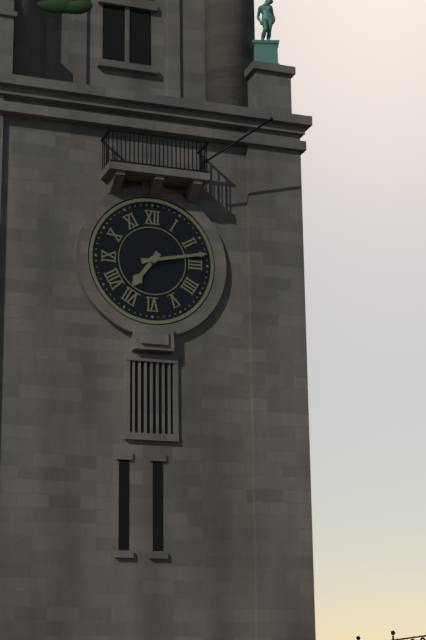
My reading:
7h13
